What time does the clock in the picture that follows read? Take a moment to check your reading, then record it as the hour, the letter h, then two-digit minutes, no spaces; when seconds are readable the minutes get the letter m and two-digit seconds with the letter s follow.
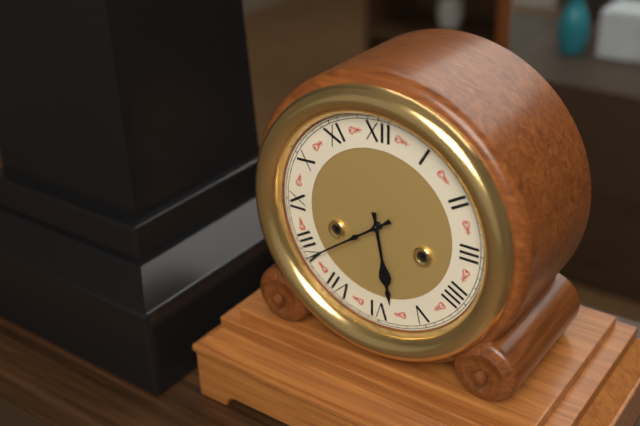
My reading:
5h39
